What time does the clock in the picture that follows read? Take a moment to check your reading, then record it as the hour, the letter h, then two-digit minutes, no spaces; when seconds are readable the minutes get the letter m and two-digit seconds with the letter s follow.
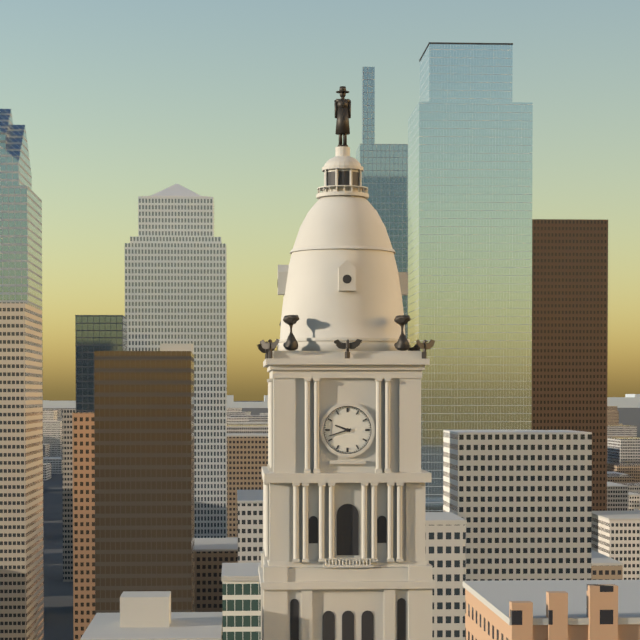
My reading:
9h42
